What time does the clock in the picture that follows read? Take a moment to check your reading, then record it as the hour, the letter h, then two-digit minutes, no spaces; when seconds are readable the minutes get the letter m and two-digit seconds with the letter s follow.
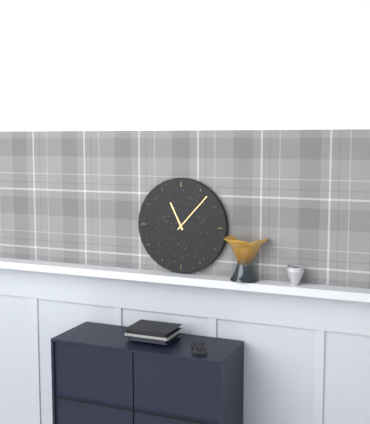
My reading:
11h07
